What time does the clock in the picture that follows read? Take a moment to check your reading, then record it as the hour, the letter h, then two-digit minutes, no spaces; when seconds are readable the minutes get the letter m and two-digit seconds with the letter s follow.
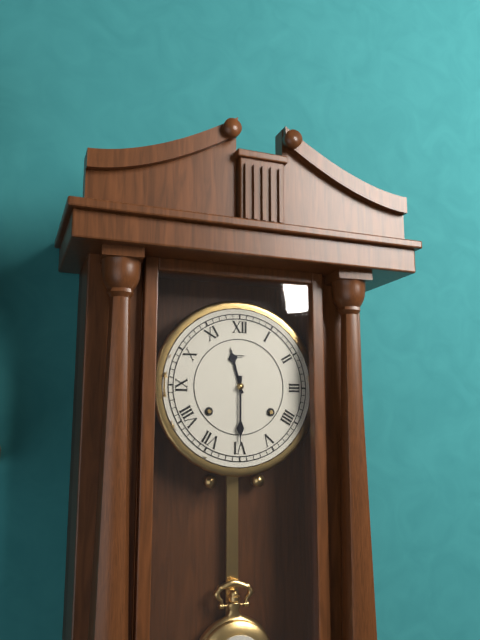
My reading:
11h30
